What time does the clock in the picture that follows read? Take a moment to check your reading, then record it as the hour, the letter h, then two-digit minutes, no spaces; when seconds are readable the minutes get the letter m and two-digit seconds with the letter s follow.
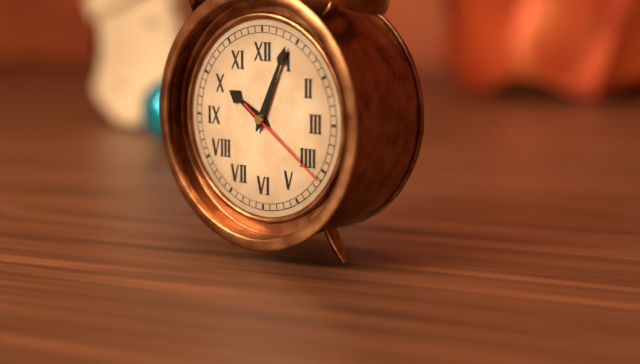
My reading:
10h04m21s
